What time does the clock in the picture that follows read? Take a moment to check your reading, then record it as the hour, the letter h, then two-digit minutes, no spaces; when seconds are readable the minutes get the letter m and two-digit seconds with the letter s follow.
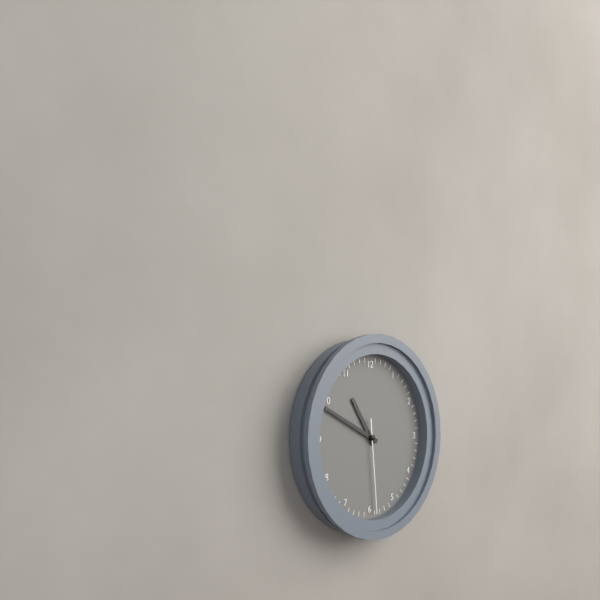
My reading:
10h49m29s
